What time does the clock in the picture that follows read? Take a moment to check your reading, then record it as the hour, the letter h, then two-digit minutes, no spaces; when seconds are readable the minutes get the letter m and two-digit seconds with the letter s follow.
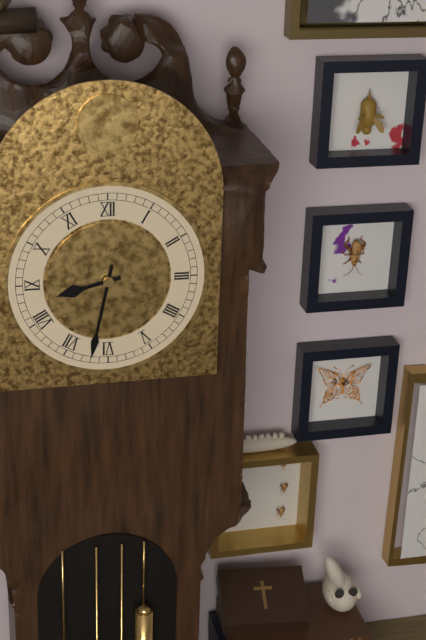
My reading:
8h32
